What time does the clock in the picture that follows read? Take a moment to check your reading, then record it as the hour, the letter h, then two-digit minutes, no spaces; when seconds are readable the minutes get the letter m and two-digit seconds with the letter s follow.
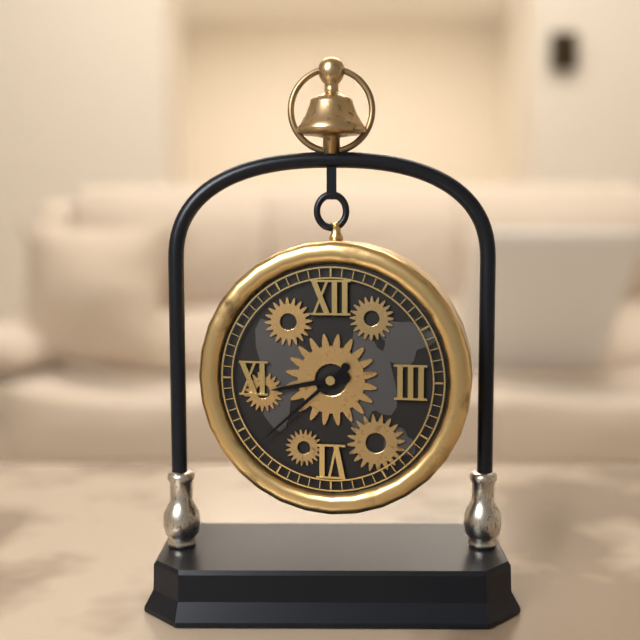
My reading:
8h38
